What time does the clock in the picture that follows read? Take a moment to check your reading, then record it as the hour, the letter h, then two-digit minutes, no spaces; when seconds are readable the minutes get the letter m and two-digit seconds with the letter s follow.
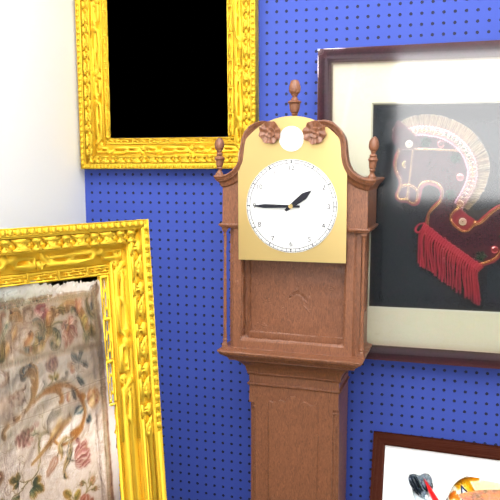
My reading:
1h45
